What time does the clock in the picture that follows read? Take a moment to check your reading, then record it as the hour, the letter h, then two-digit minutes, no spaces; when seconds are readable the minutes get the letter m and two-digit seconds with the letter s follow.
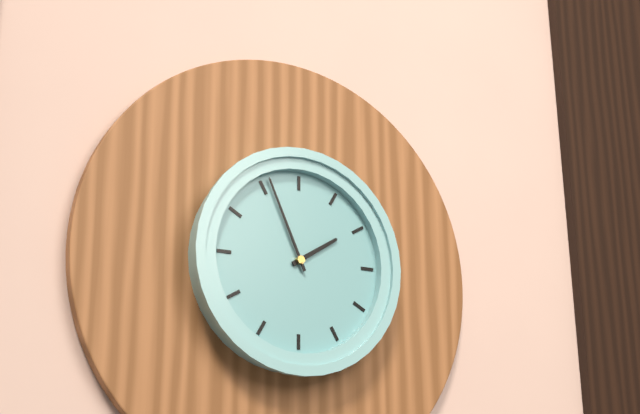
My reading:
1h56
